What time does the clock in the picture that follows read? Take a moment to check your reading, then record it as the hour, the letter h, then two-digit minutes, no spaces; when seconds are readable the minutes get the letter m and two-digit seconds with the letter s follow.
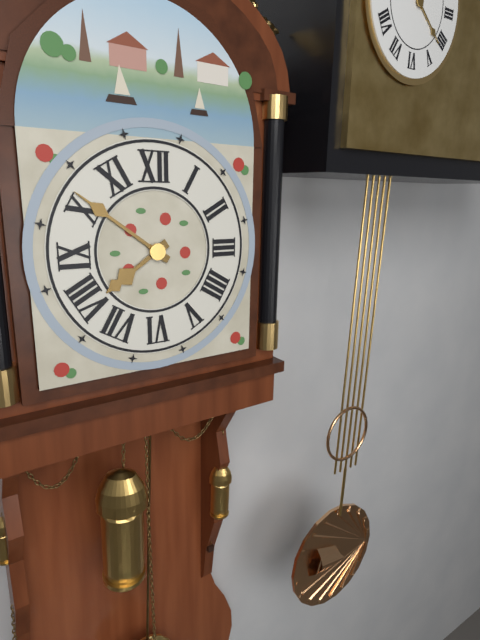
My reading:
7h51
